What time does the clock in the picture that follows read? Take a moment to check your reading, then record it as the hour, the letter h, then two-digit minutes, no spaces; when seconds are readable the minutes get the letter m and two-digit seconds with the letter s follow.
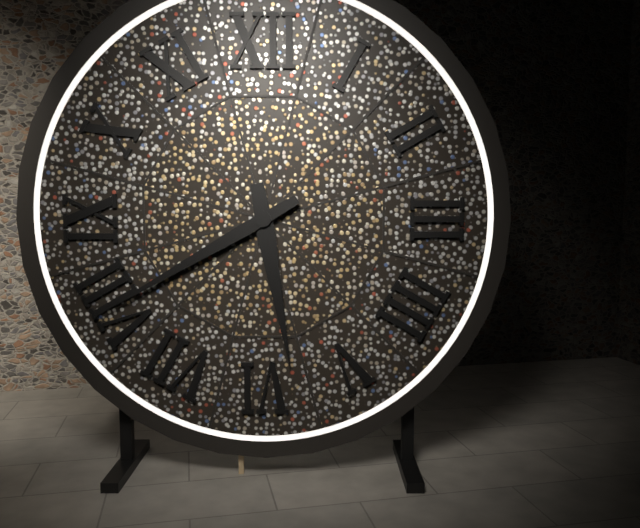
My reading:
5h40
